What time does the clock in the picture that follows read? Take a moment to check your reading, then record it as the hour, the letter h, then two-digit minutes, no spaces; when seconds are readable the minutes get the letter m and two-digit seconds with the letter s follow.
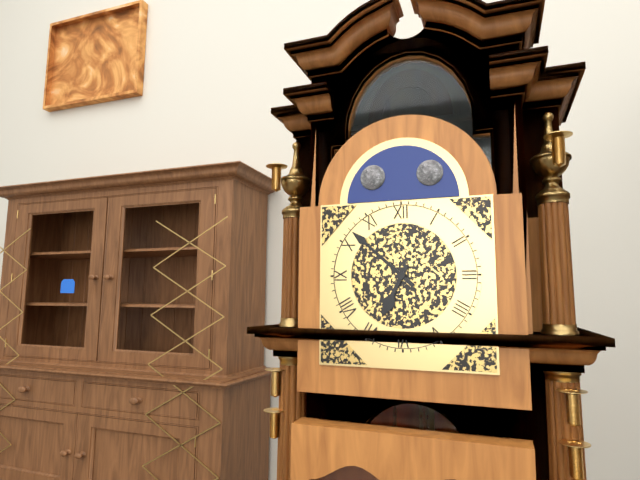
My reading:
6h52
